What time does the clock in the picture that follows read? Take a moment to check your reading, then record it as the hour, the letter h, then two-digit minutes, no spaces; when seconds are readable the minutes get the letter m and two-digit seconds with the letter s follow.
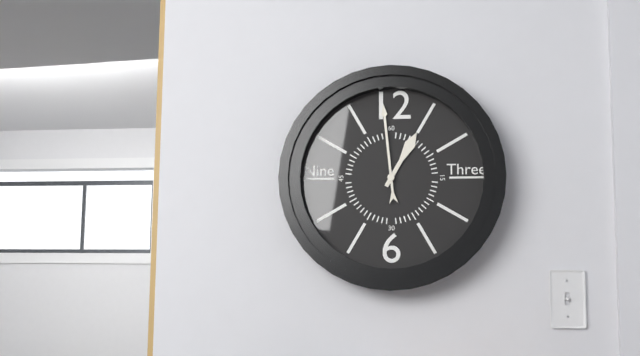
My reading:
12h59
